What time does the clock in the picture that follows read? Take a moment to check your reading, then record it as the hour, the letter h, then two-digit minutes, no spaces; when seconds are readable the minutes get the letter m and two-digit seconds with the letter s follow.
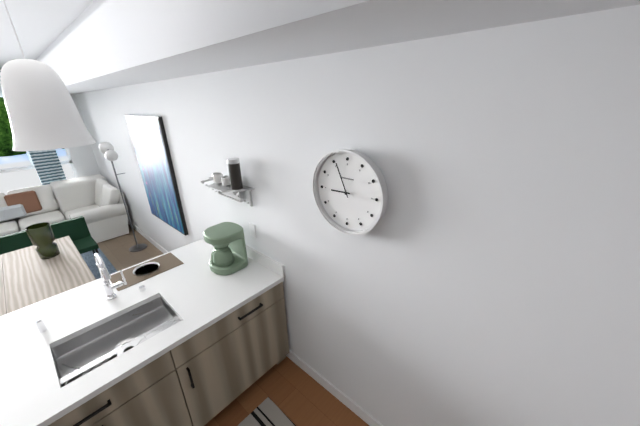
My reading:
8h56
